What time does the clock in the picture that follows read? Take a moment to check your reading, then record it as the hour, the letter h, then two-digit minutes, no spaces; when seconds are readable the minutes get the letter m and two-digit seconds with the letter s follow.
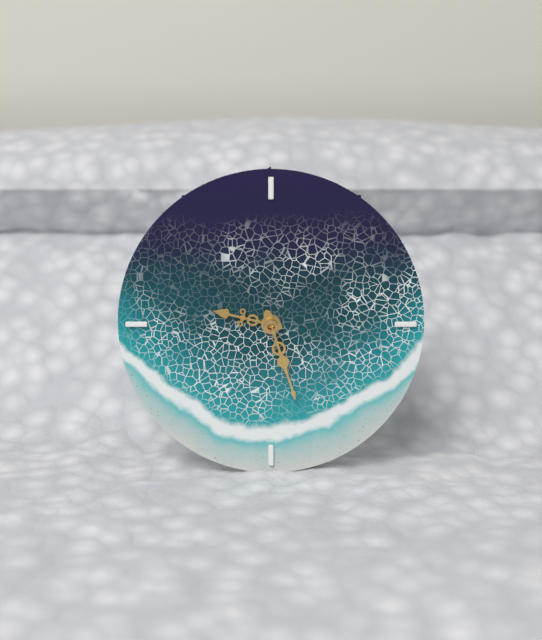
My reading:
9h27
